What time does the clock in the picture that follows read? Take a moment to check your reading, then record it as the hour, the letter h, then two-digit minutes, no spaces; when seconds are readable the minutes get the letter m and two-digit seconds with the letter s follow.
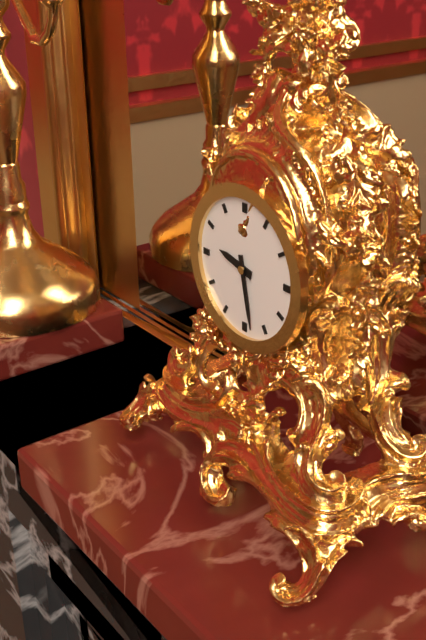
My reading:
9h28
